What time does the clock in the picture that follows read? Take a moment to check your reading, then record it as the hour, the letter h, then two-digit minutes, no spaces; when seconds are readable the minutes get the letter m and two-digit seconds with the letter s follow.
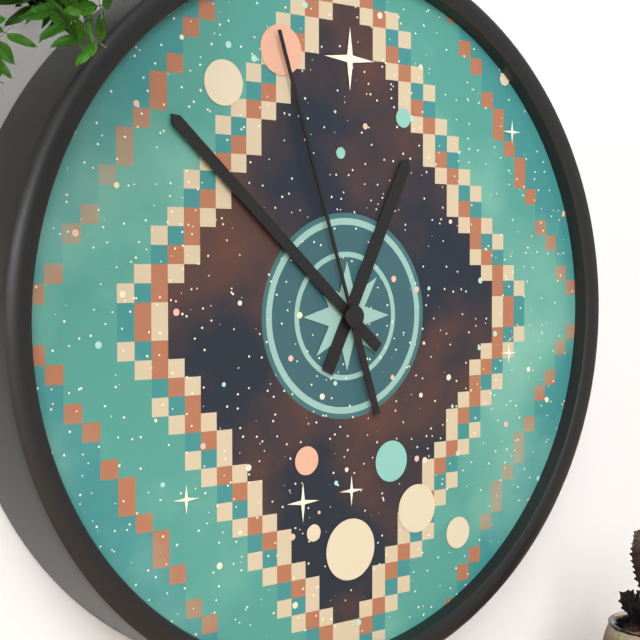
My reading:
12h52m57s
